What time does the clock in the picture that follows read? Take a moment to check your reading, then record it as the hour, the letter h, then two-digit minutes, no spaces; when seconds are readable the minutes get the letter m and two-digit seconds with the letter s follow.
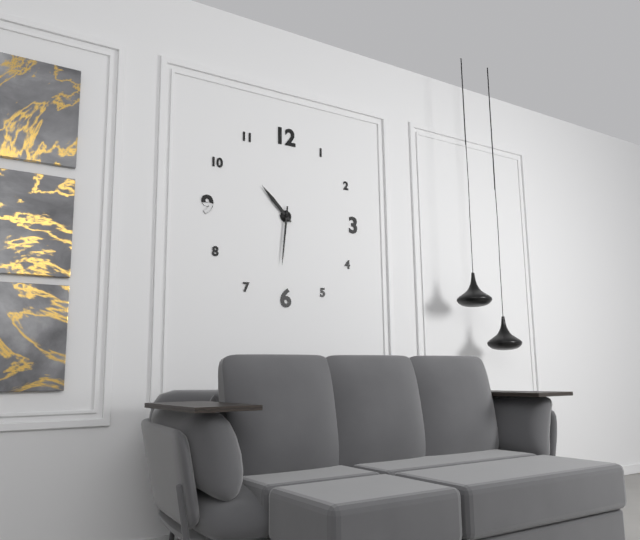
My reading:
10h31
